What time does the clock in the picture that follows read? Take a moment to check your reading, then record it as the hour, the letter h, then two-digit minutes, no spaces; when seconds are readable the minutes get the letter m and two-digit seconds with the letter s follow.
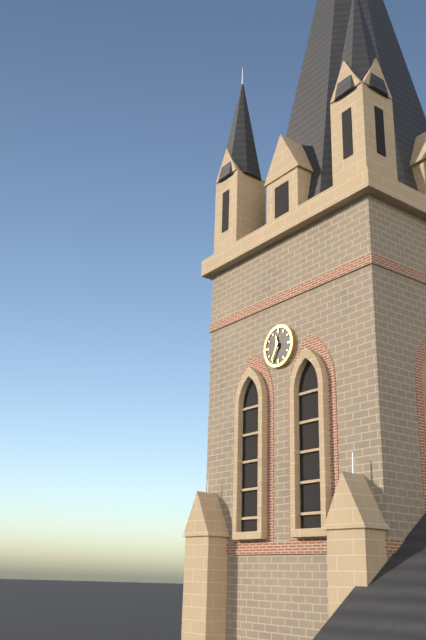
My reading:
11h35
